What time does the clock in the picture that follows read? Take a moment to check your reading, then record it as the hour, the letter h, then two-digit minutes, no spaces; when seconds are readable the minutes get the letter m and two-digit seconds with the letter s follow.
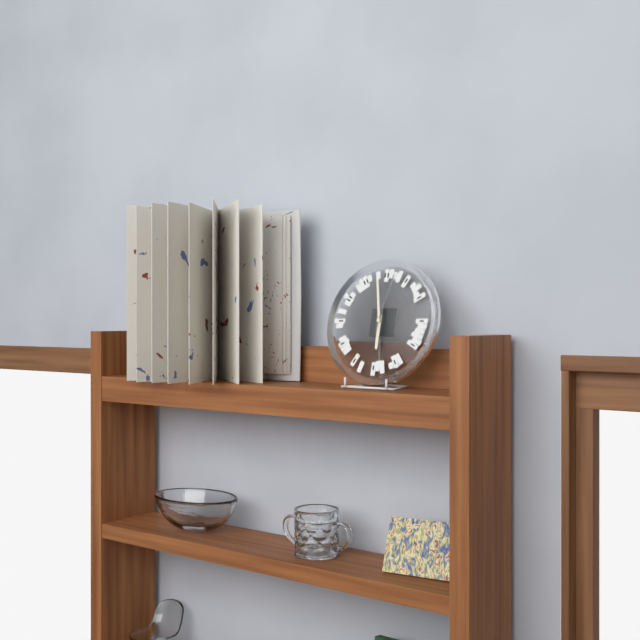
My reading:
5h58m02s
